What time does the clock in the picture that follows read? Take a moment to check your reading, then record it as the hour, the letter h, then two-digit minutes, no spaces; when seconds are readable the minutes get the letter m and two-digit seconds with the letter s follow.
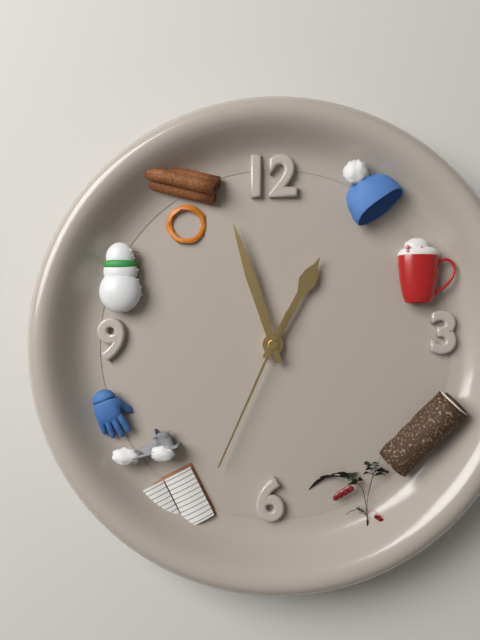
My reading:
12h57m34s
